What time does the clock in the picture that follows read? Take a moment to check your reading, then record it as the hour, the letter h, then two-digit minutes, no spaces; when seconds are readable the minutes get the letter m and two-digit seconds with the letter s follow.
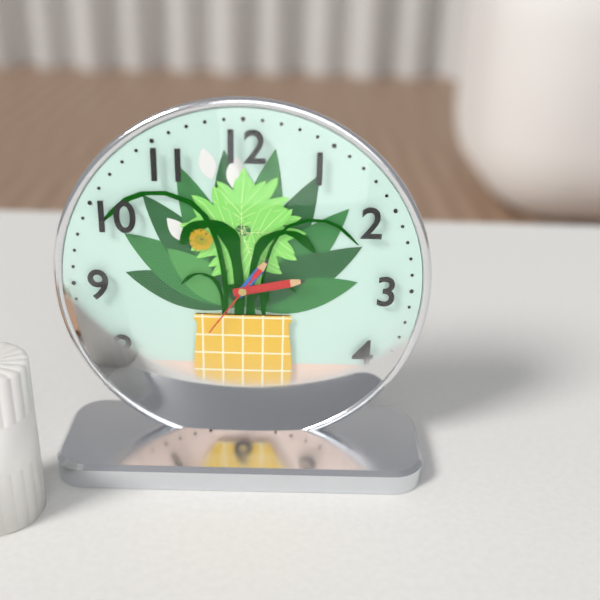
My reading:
1h13m36s
